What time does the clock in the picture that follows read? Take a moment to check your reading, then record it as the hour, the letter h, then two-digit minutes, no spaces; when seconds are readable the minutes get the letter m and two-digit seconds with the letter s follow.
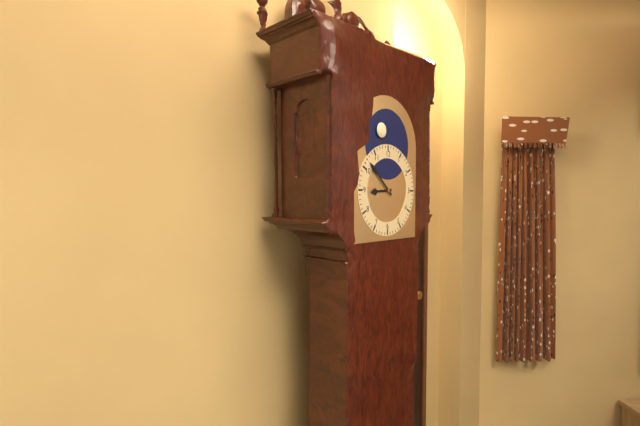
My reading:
8h52
